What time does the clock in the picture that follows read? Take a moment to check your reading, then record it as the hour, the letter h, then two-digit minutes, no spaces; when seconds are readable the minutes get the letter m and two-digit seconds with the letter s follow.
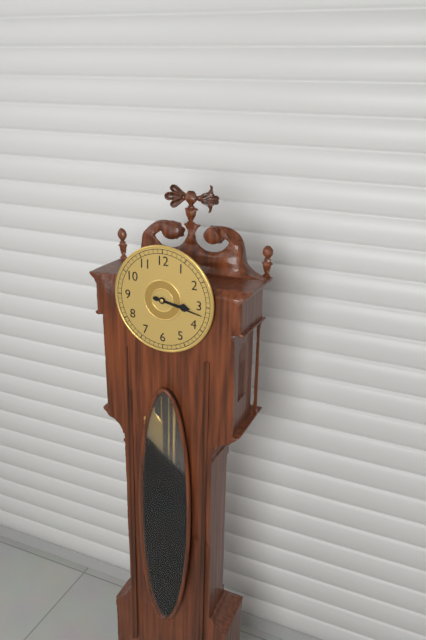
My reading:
3h17
